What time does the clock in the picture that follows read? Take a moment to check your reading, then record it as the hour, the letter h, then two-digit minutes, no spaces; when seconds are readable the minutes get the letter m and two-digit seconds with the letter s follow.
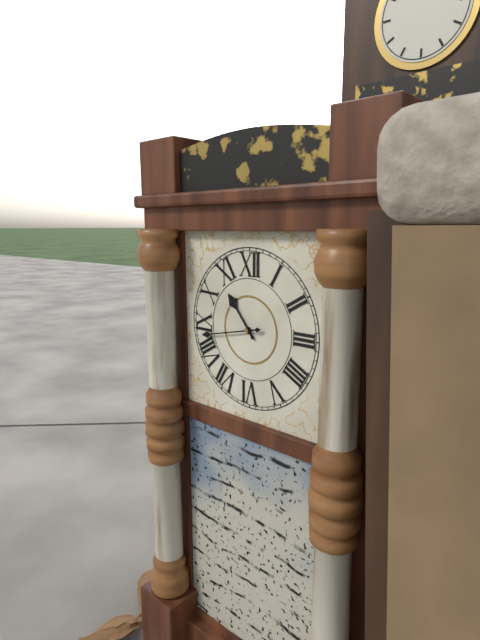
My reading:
10h43
